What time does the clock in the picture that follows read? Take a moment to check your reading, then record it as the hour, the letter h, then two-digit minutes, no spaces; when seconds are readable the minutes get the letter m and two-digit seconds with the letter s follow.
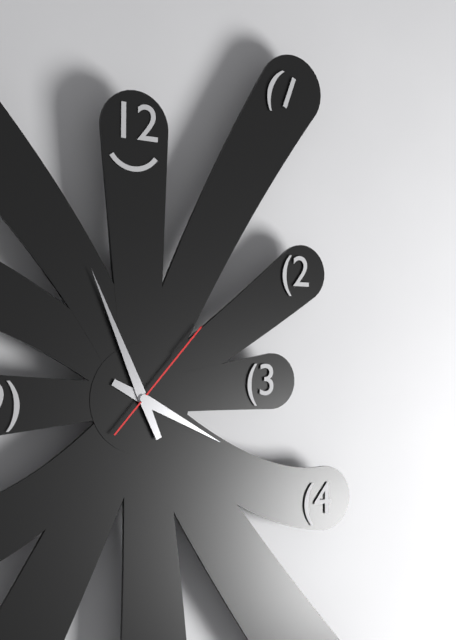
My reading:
3h56m07s
